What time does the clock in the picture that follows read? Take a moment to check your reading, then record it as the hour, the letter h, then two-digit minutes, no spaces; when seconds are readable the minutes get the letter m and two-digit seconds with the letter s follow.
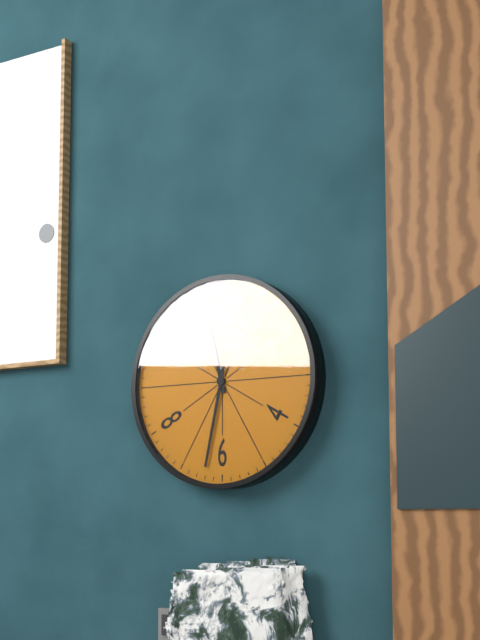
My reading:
11h32
